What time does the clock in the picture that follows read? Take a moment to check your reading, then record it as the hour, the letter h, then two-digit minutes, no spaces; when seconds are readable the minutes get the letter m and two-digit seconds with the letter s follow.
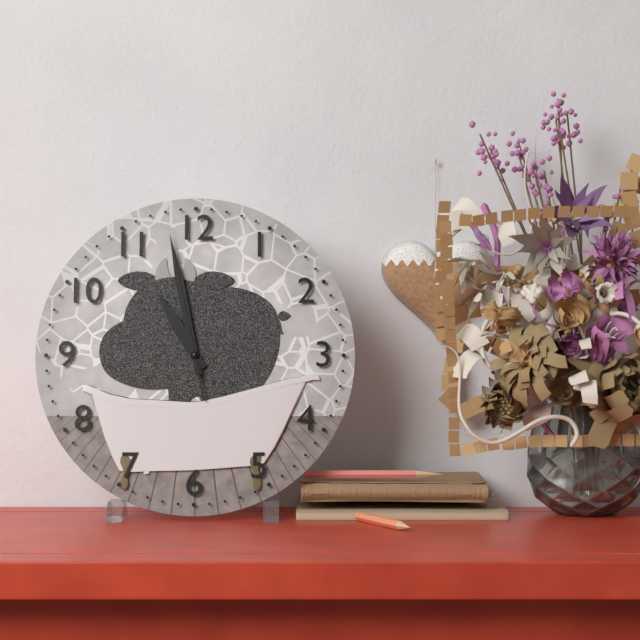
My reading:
10h58m58s
